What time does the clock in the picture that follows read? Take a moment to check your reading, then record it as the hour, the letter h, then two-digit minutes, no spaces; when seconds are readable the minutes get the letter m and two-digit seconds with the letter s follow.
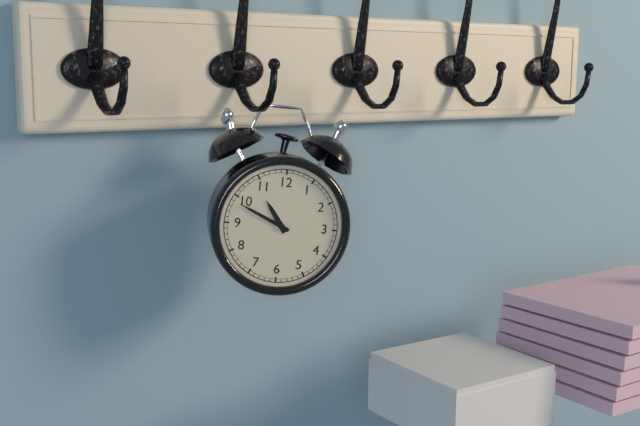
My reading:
10h49
